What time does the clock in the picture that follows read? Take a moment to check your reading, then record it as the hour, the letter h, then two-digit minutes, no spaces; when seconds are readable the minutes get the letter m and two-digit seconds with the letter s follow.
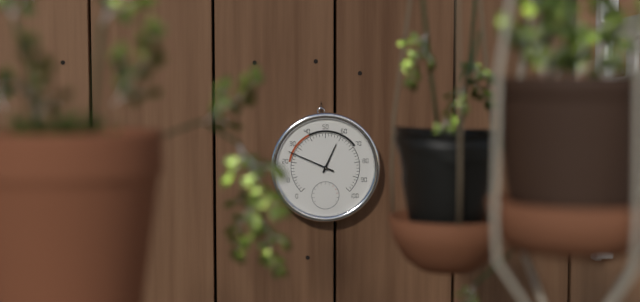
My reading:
12h49
